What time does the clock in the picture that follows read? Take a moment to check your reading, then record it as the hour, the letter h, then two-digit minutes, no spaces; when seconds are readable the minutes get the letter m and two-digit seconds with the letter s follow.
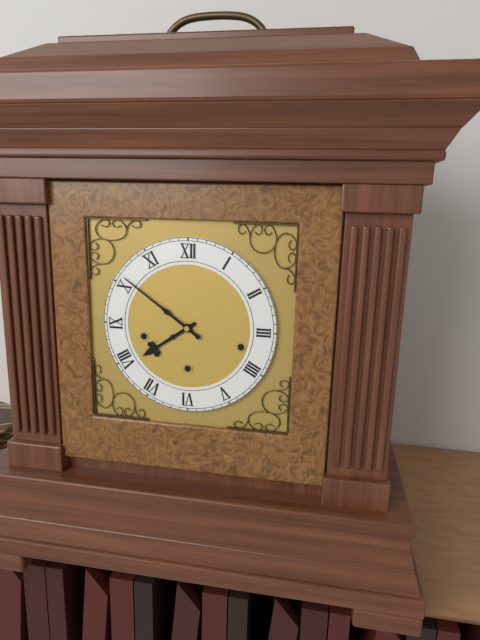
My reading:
7h51
